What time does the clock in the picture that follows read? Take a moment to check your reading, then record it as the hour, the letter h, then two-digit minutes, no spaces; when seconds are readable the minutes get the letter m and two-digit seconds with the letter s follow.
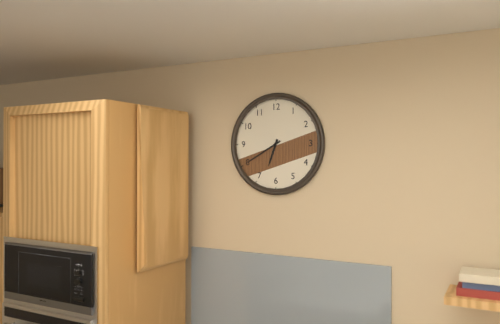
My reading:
6h40
